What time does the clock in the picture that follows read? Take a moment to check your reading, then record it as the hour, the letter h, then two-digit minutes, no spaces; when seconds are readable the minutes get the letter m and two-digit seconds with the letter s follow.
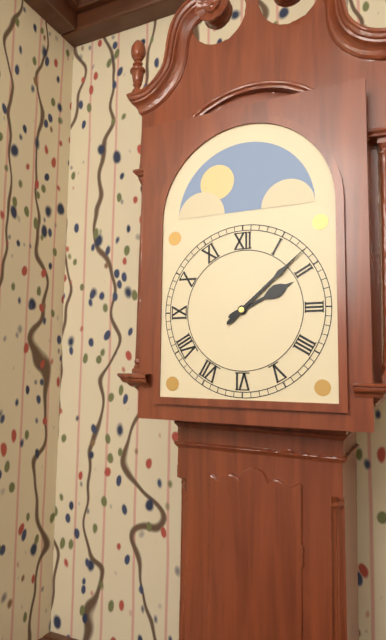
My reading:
2h08
